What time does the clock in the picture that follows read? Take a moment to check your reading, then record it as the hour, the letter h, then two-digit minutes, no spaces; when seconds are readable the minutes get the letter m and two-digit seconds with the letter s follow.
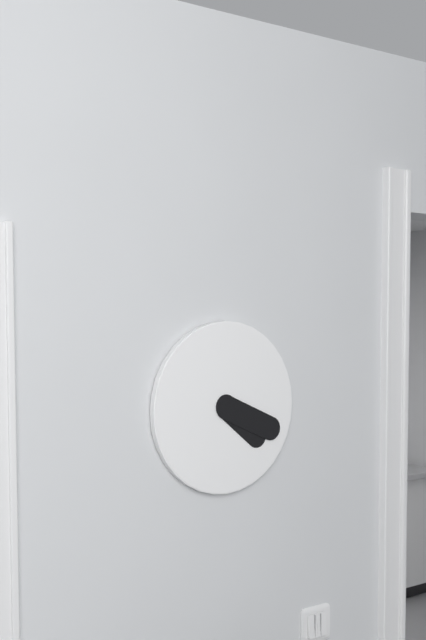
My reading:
4h19
